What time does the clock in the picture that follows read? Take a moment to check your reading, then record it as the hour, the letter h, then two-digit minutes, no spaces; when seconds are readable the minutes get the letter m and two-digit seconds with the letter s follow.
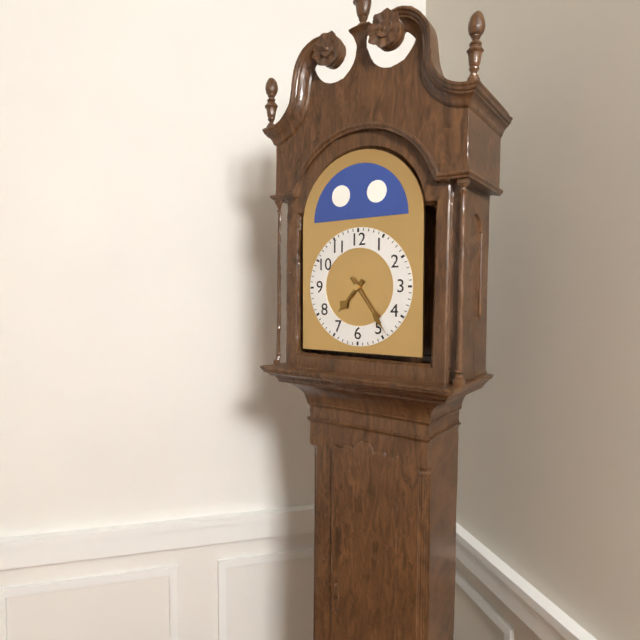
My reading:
7h24
